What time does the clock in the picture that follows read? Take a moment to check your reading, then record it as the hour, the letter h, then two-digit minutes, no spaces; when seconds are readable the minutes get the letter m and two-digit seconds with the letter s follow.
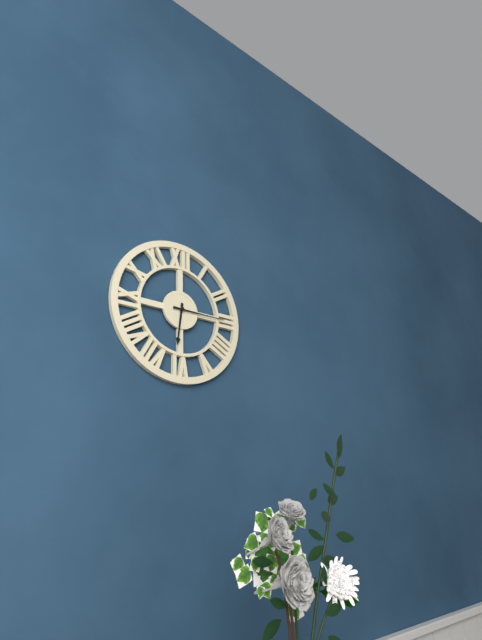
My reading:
6h15
